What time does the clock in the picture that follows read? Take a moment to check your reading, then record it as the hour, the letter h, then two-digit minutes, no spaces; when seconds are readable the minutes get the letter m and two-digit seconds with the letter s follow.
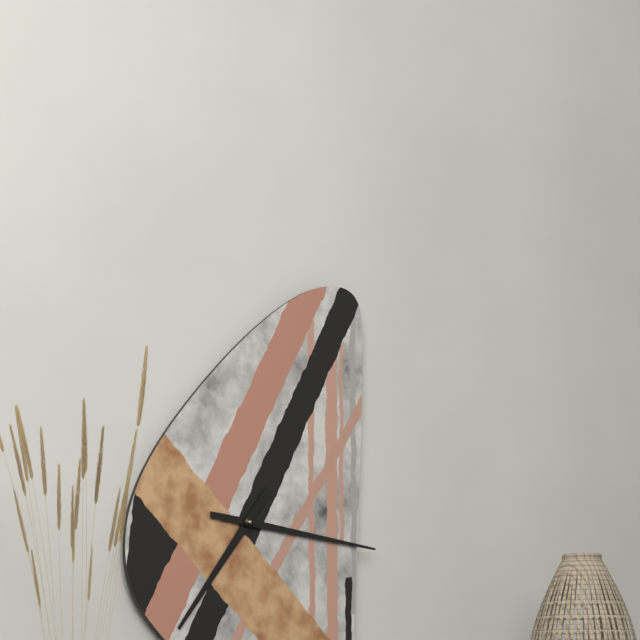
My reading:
7h16
